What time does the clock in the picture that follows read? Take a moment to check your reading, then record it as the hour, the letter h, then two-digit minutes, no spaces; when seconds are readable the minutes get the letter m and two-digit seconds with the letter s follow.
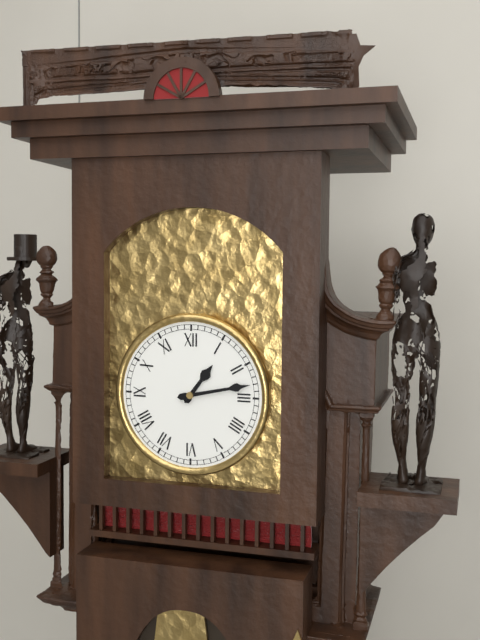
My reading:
1h13
